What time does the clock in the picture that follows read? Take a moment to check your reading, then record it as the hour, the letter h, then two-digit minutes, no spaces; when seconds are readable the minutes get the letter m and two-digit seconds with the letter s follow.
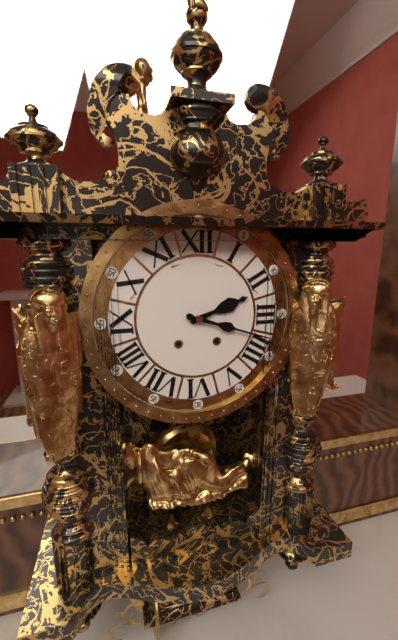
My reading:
2h18
